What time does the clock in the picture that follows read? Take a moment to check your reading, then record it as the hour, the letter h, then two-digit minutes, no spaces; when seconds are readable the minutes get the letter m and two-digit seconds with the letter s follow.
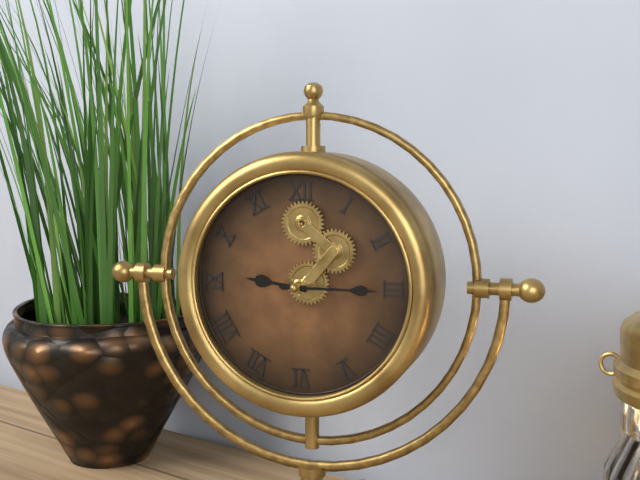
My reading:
9h15
